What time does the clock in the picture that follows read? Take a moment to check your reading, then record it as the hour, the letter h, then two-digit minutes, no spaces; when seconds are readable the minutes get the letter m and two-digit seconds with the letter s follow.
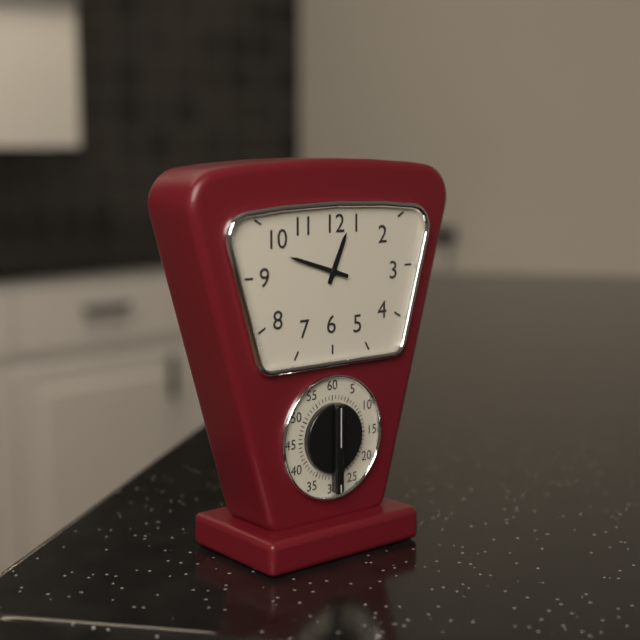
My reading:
12h48
